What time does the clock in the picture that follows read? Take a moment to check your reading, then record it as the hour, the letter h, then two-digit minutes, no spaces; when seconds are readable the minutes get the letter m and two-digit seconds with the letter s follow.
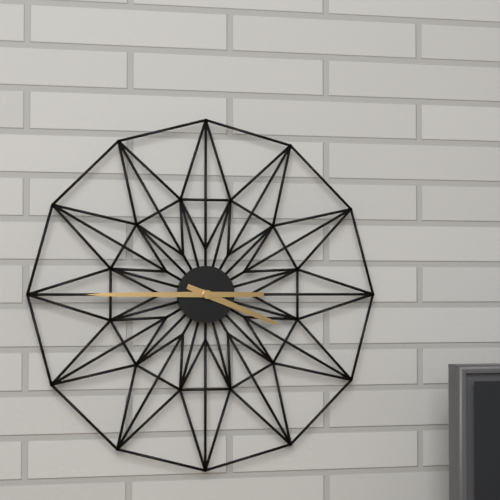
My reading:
3h45
